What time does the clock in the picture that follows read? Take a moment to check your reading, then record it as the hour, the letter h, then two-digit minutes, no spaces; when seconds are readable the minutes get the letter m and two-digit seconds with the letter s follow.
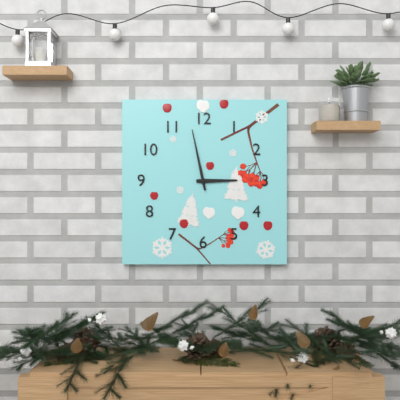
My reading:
2h58
